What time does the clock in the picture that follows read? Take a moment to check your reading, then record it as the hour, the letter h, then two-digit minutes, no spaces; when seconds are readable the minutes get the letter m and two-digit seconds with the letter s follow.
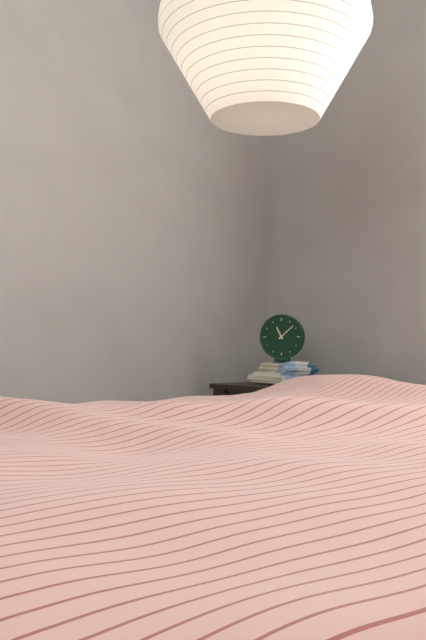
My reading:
11h08
